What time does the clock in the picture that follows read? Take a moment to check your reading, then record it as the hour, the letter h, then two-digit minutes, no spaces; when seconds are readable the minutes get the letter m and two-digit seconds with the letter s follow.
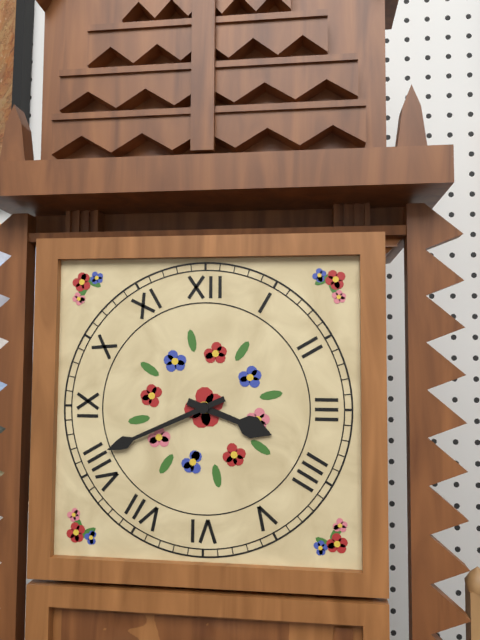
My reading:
3h41
